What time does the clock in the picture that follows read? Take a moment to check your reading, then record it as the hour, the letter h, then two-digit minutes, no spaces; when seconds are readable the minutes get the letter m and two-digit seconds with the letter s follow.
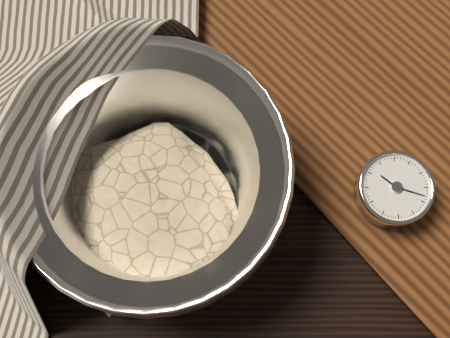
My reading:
10h18
